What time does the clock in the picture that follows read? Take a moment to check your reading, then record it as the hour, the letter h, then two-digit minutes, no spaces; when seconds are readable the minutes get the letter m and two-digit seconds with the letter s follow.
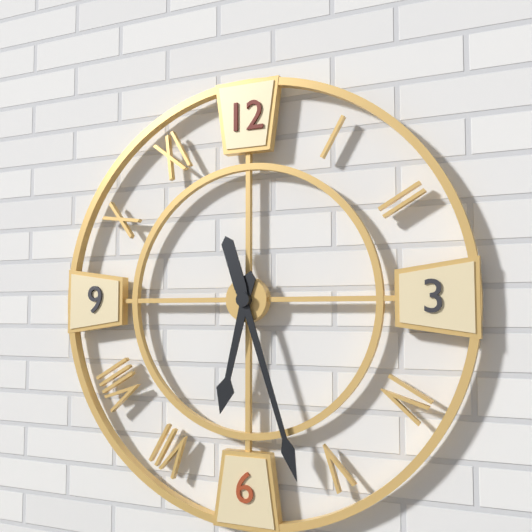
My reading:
6h27
